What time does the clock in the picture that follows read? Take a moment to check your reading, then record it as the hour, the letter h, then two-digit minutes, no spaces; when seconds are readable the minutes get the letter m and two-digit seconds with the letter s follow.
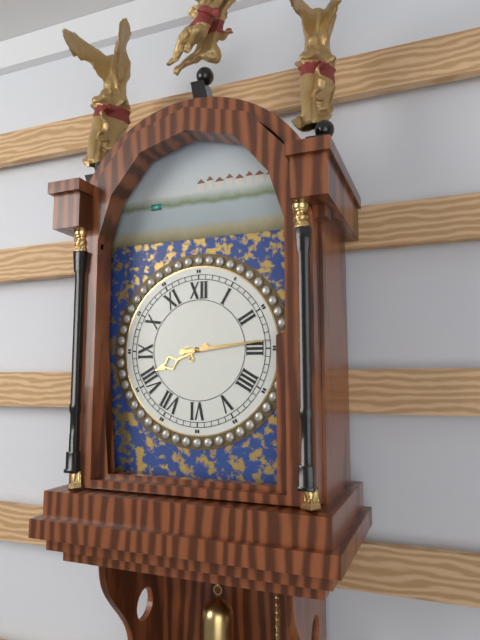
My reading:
8h14
